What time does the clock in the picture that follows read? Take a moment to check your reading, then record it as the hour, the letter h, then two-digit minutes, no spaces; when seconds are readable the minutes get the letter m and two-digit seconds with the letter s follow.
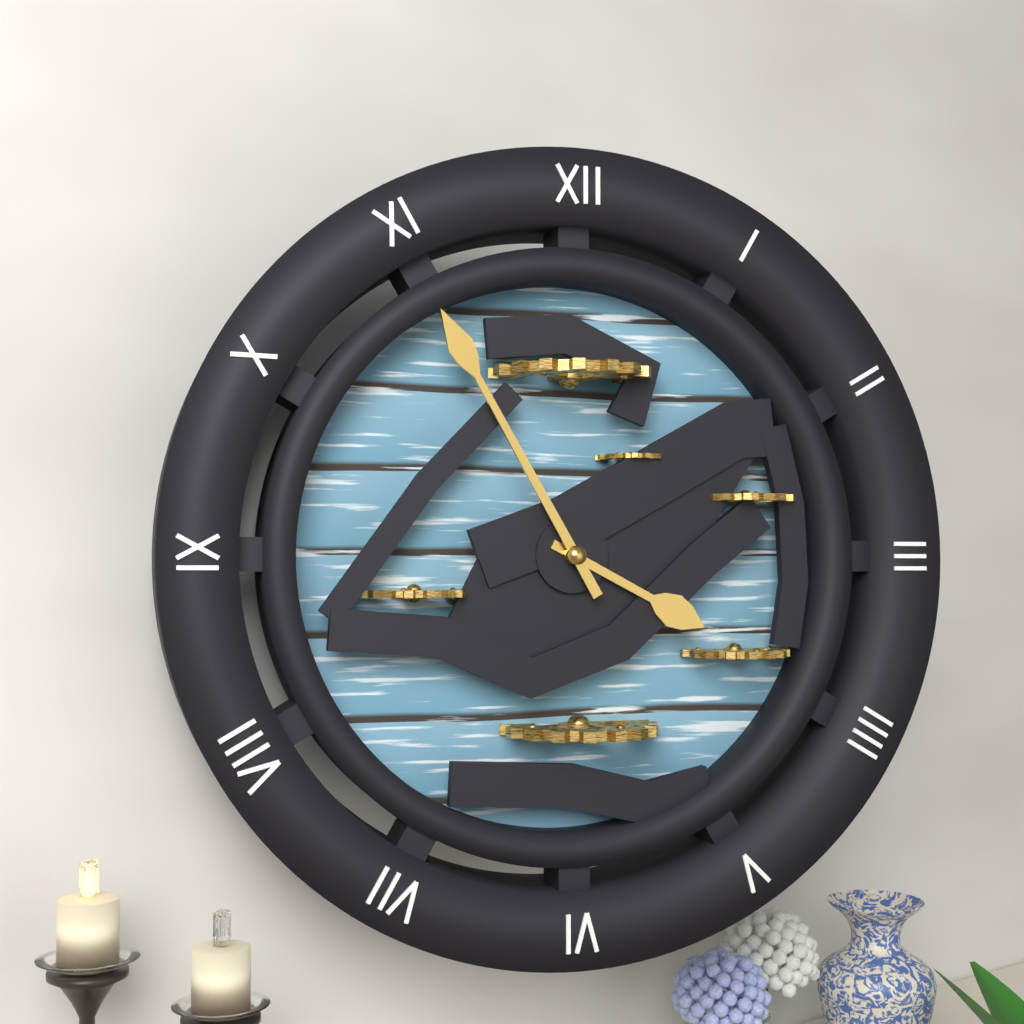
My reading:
3h55
